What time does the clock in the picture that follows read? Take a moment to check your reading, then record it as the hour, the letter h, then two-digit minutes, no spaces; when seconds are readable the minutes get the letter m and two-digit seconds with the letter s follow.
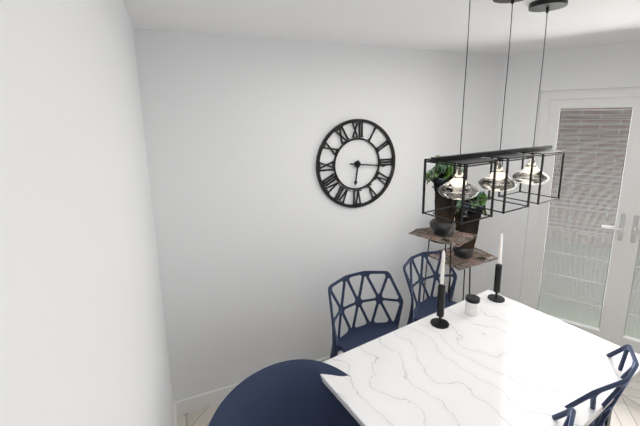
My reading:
6h16
